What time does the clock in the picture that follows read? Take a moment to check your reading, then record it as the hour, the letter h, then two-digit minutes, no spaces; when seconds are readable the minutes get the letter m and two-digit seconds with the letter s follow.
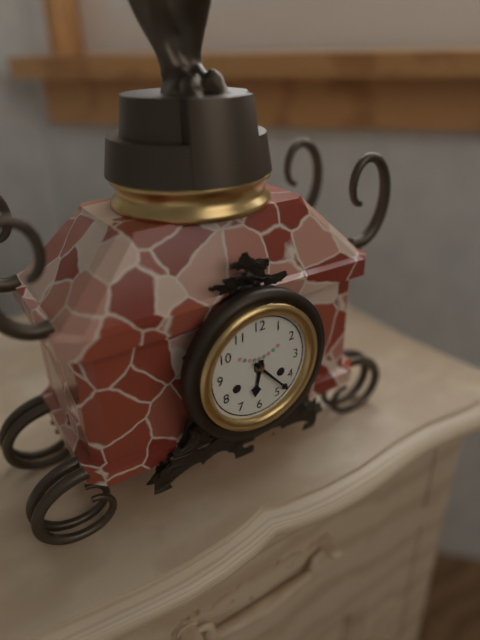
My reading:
6h23
